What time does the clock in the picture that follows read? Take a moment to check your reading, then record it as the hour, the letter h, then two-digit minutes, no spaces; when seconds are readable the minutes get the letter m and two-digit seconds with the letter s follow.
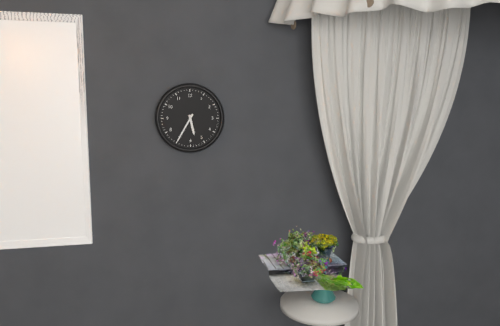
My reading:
5h35
